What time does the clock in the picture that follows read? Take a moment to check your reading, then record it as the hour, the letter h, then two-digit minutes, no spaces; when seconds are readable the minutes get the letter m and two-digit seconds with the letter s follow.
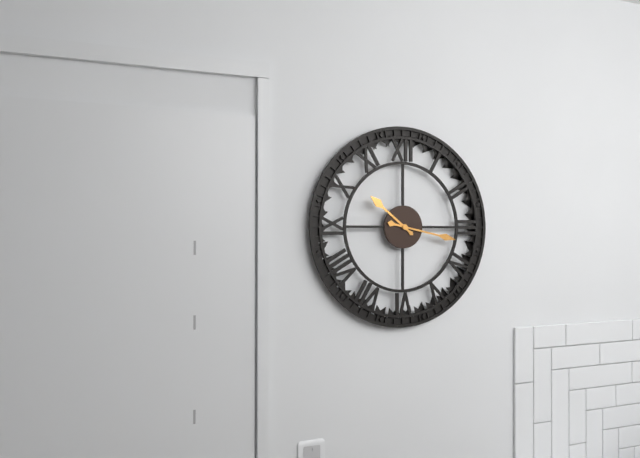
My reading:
10h17
